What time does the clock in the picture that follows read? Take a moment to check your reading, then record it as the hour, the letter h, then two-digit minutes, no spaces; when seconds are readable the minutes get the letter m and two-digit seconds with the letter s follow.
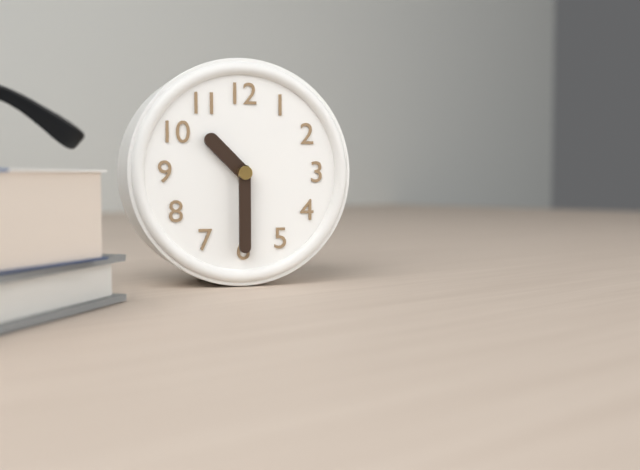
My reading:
10h30
